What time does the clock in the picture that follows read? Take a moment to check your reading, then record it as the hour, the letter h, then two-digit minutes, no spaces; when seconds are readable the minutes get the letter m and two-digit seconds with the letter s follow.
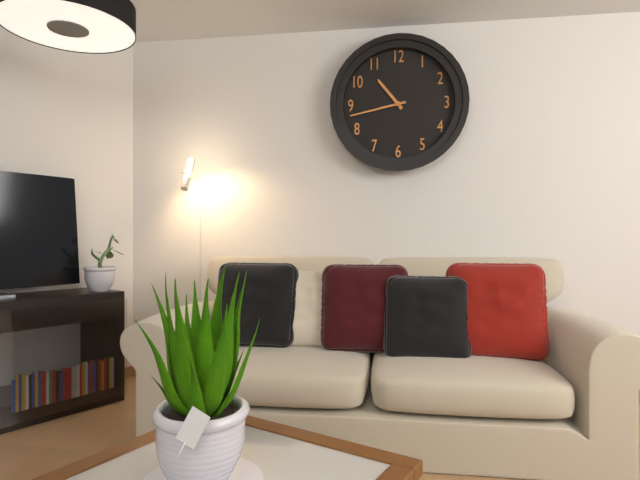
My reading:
10h43
